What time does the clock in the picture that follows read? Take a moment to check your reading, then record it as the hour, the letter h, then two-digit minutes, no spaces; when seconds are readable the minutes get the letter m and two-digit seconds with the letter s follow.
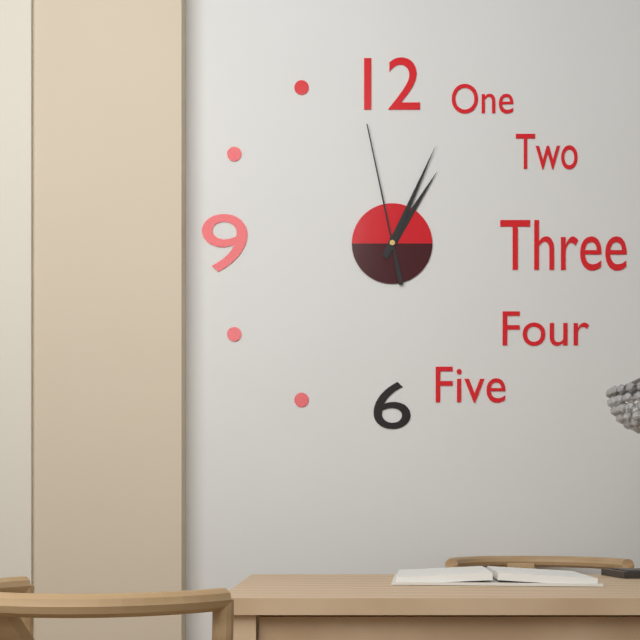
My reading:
1h04m58s
